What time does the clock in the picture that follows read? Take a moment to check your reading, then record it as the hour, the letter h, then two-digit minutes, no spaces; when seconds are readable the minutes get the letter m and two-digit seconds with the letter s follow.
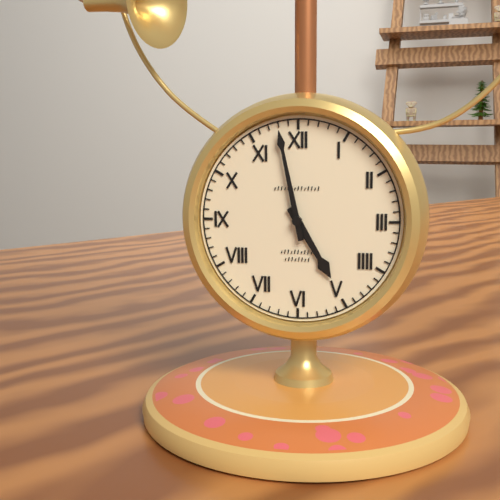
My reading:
4h58
